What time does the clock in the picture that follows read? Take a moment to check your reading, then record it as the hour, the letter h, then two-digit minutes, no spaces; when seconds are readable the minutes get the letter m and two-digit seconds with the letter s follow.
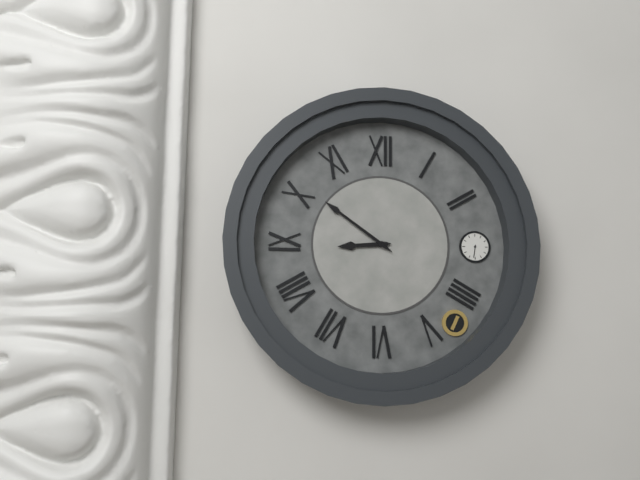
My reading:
8h51
